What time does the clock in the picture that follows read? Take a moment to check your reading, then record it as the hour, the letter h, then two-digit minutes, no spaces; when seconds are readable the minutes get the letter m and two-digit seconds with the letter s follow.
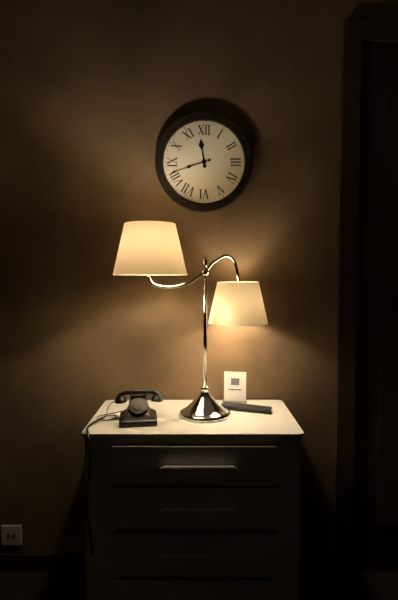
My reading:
11h42
